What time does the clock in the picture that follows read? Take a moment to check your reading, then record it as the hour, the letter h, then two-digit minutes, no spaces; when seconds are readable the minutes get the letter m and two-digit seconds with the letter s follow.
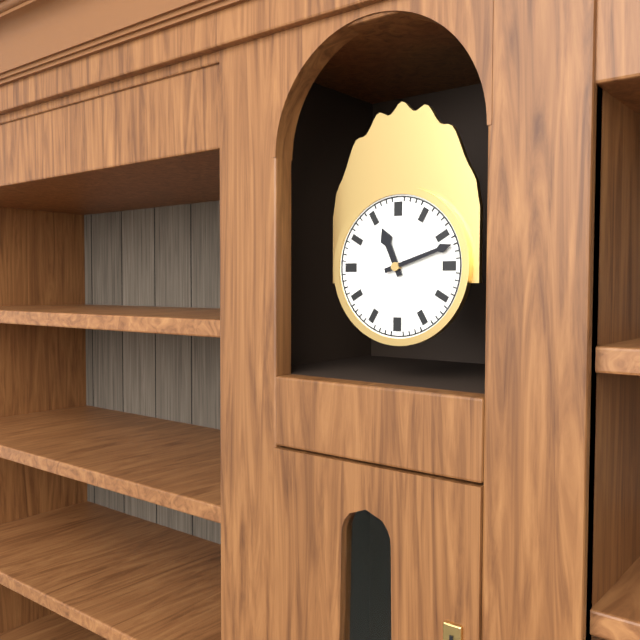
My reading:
11h12
